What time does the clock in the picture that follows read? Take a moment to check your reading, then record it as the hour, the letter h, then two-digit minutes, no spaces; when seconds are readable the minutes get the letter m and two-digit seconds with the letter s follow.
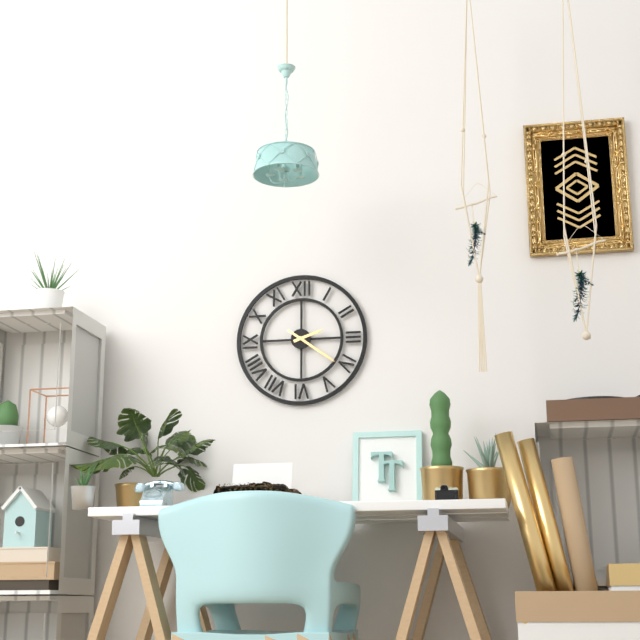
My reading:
2h21
